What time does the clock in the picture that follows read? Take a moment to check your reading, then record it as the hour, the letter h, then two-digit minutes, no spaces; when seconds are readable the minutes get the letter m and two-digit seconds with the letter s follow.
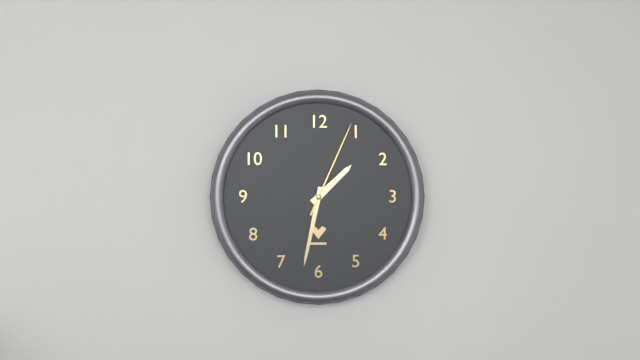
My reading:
1h32m04s
